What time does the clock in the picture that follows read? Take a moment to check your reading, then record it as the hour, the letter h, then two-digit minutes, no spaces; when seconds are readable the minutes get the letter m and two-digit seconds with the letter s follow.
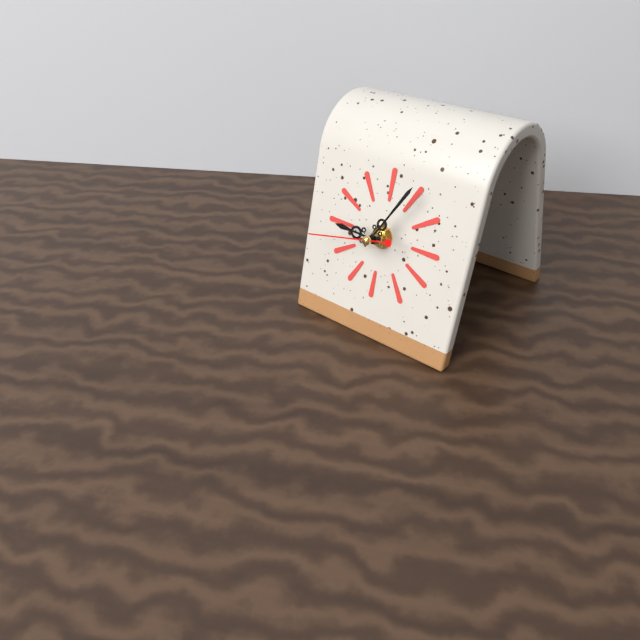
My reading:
9h05m43s
